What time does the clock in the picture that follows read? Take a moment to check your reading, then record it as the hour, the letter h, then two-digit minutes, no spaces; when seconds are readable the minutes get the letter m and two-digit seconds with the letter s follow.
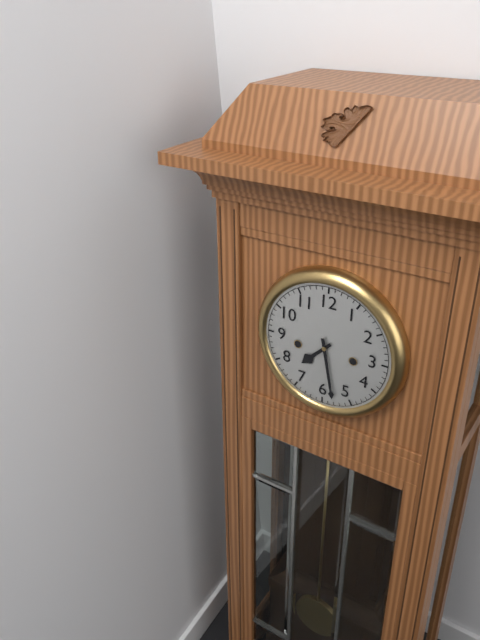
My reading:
7h28
